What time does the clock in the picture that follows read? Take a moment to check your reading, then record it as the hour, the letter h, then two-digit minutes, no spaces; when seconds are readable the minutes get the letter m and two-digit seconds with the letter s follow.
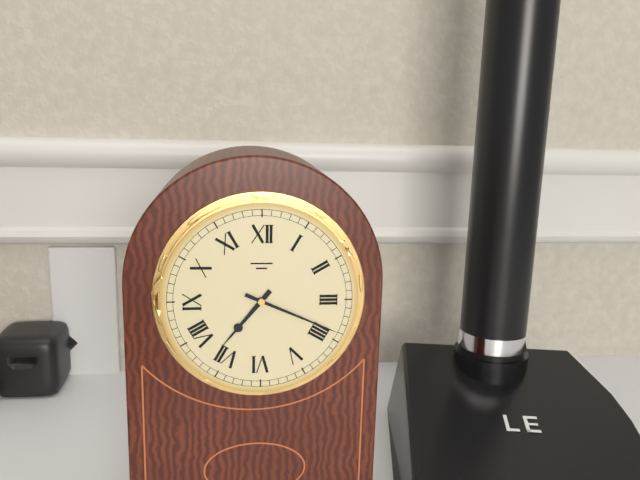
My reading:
7h19
